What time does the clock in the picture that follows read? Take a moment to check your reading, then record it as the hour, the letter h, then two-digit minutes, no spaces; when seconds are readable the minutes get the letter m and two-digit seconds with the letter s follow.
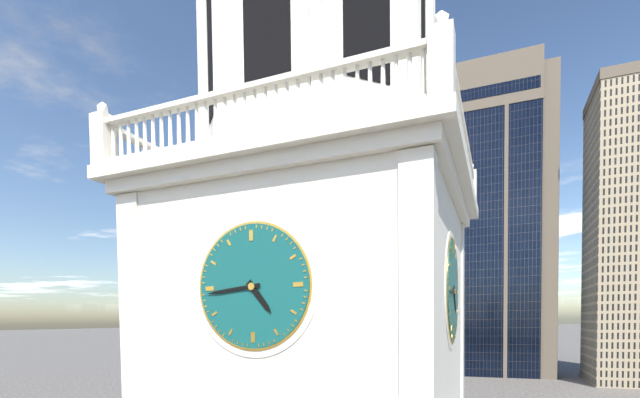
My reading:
4h44
